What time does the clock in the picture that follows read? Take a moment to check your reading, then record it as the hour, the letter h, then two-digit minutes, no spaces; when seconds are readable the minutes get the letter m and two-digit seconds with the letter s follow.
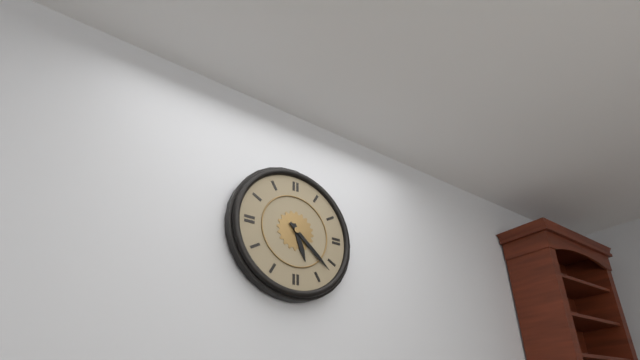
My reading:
5h22
